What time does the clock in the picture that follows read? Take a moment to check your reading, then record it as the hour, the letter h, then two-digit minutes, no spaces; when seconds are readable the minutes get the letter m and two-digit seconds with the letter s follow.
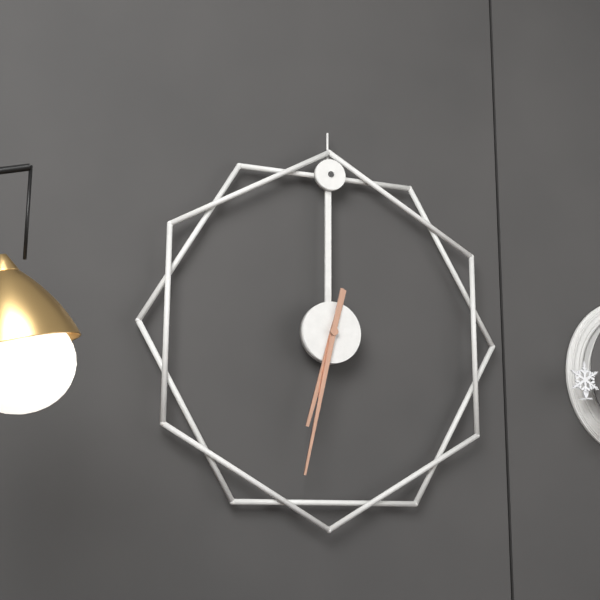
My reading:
6h32
